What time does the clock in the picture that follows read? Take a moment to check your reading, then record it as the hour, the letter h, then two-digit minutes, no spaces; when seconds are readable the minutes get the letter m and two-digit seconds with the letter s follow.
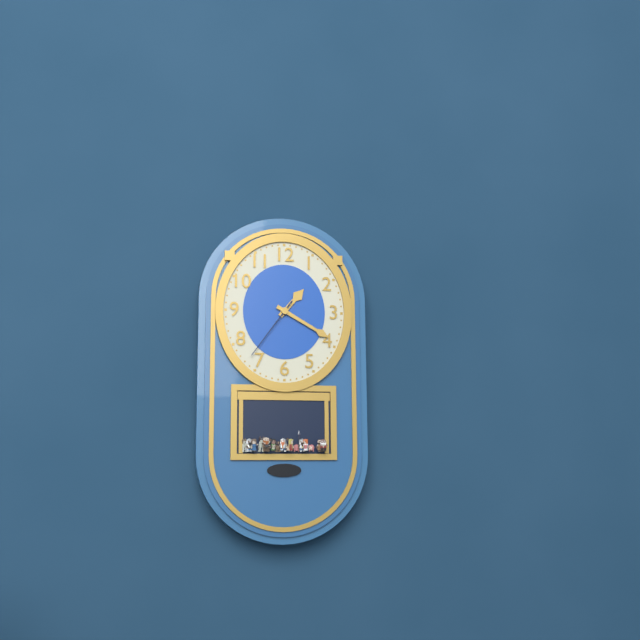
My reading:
1h20m36s
